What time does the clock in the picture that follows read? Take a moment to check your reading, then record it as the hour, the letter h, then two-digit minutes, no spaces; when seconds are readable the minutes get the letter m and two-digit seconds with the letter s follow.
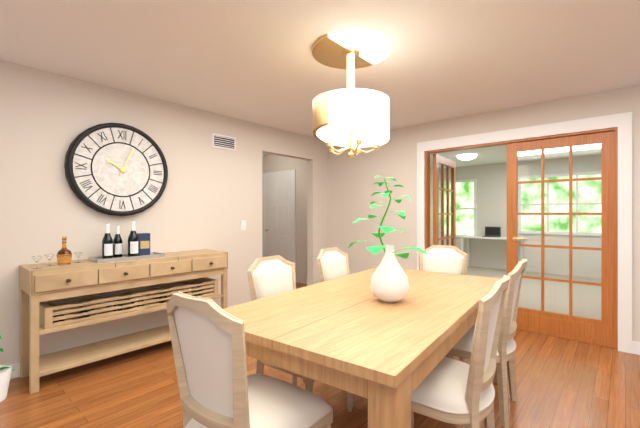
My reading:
10h04
